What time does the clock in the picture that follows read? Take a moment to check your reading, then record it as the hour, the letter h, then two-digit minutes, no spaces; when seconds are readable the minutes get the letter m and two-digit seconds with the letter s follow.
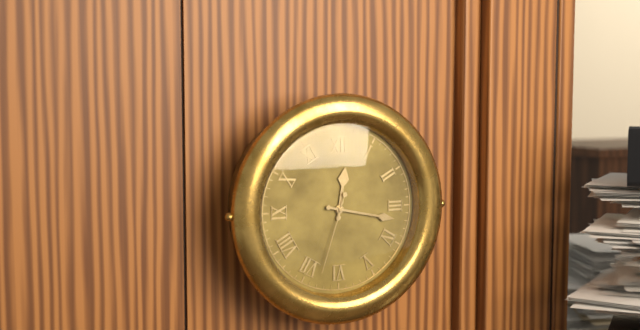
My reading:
12h17m33s
